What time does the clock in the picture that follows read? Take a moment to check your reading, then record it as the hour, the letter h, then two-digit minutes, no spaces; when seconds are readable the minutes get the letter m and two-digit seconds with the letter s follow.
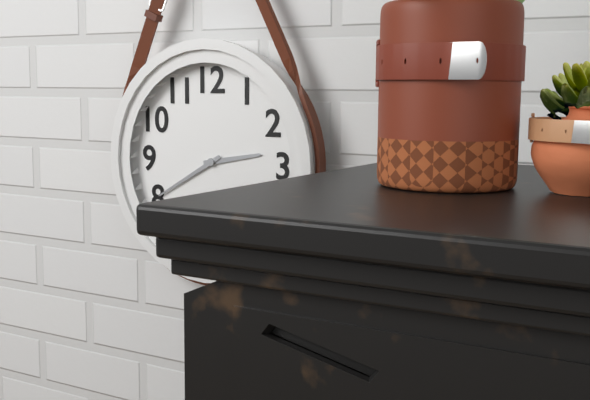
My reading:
2h40
